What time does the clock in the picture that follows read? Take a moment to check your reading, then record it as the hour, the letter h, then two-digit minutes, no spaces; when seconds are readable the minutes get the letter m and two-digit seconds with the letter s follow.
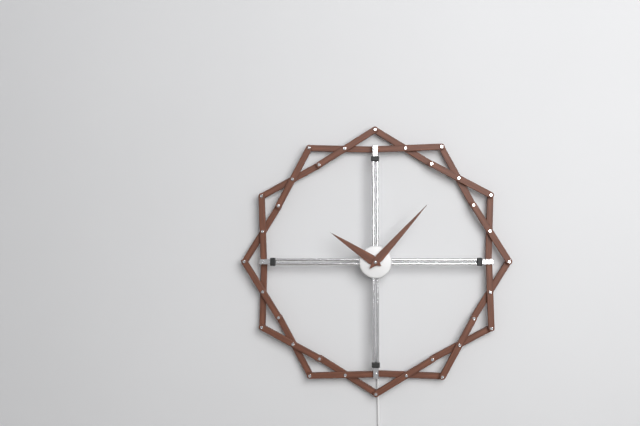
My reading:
10h07
